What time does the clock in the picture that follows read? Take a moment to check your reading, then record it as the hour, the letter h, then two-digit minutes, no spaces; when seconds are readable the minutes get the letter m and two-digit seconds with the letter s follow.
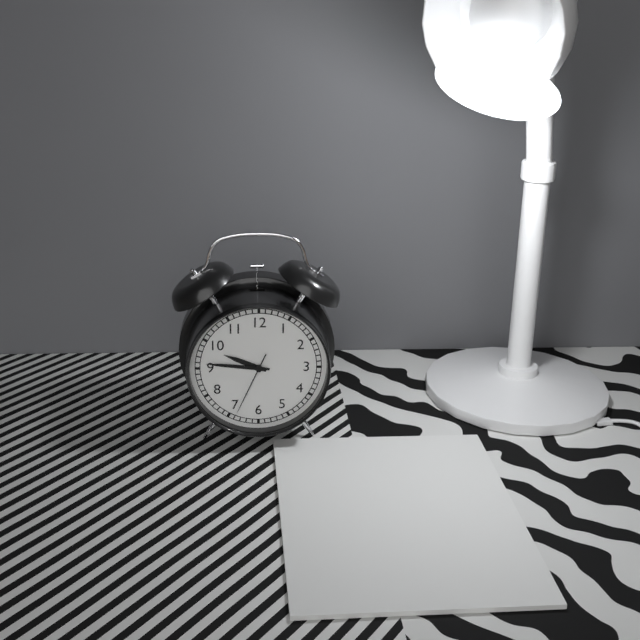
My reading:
9h46m34s
